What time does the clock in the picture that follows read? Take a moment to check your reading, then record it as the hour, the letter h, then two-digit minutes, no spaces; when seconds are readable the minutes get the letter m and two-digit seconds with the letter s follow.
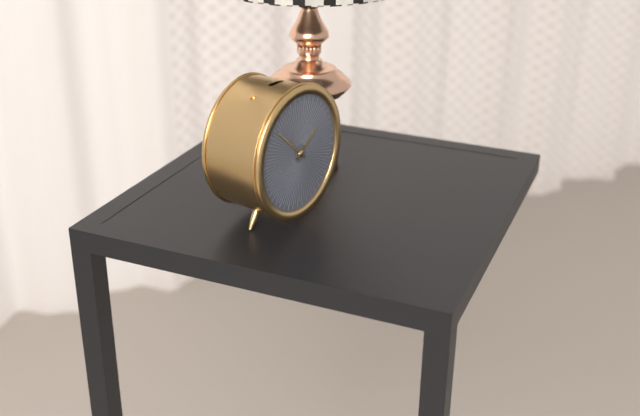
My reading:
1h52
